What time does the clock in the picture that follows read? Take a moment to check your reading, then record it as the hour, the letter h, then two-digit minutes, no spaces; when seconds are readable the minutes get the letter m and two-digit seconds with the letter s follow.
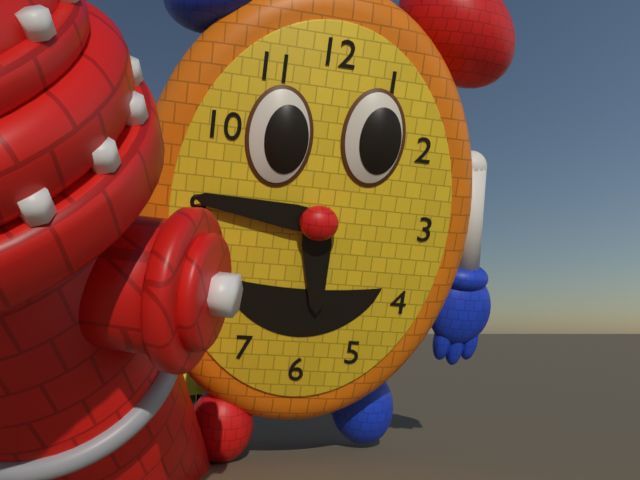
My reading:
5h46
